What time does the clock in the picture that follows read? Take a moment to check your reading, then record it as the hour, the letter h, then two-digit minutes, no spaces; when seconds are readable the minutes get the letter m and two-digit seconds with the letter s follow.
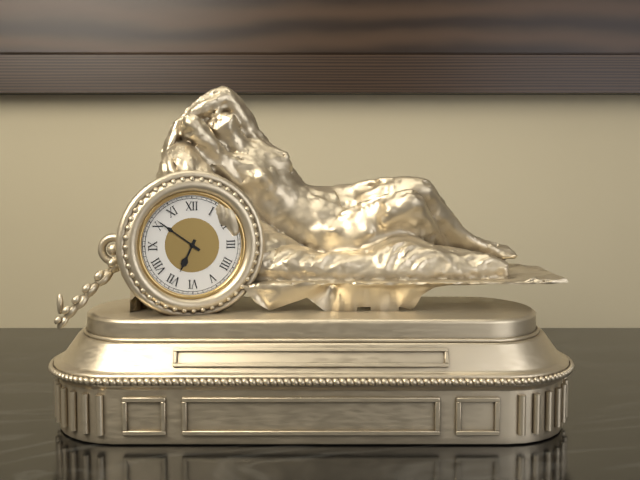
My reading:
6h51
